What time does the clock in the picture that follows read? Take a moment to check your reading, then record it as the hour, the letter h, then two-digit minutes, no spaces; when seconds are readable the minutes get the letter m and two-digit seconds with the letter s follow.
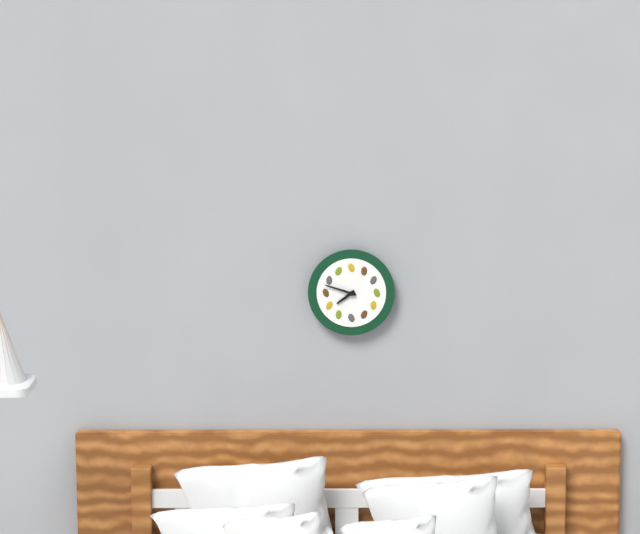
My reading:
7h48
